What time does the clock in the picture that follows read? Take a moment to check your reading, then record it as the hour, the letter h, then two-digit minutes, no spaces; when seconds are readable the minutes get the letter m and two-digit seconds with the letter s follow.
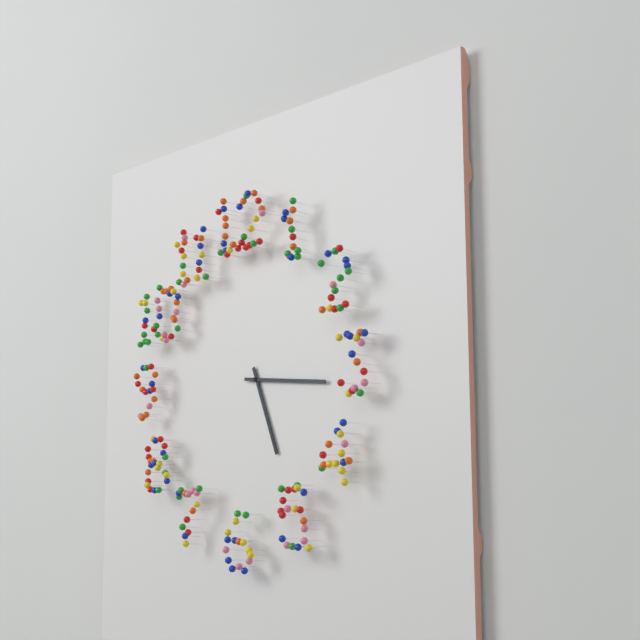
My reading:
5h16
